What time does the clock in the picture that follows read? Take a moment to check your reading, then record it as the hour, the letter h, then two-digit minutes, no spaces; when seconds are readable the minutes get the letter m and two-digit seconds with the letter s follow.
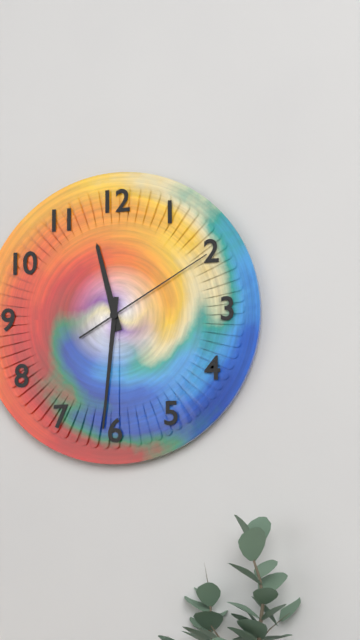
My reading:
11h31m10s
